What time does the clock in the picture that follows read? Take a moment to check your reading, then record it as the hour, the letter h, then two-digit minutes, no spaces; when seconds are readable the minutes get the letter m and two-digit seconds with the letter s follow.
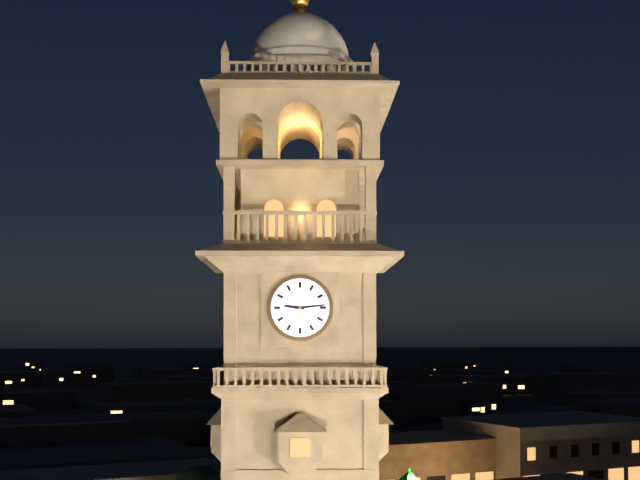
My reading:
9h14
